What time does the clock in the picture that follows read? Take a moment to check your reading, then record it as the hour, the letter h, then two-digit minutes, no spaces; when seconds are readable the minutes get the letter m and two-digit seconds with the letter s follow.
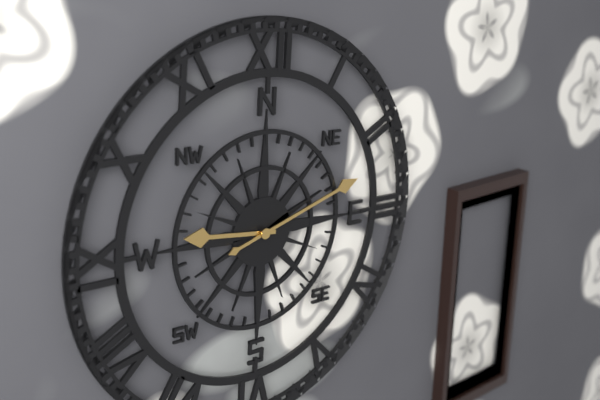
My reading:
9h12
